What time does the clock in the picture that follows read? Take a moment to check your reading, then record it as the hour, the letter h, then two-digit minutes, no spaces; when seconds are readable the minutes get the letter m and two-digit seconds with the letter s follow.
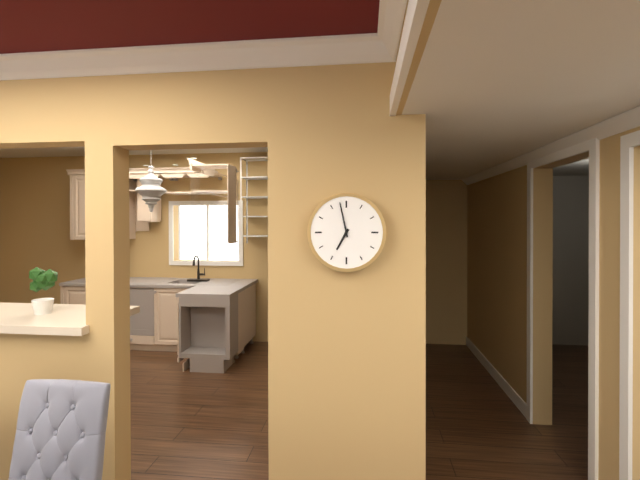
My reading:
6h58
